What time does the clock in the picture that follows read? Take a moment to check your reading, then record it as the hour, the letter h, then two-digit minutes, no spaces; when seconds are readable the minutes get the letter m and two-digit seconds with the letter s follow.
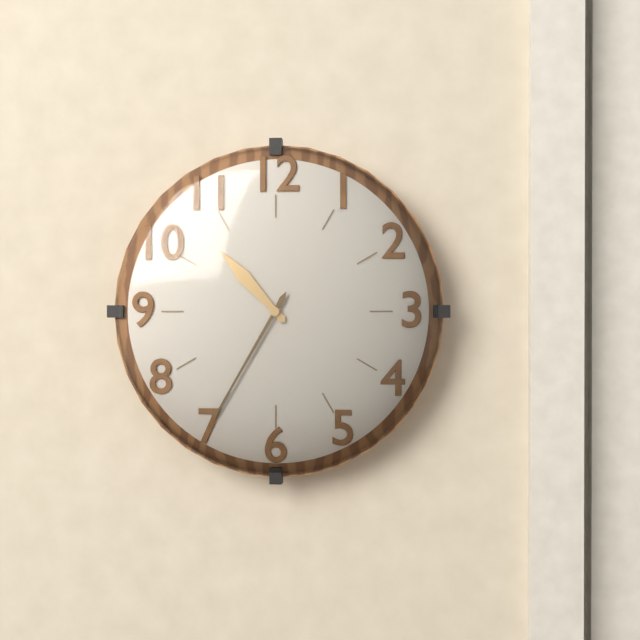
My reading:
10h35
